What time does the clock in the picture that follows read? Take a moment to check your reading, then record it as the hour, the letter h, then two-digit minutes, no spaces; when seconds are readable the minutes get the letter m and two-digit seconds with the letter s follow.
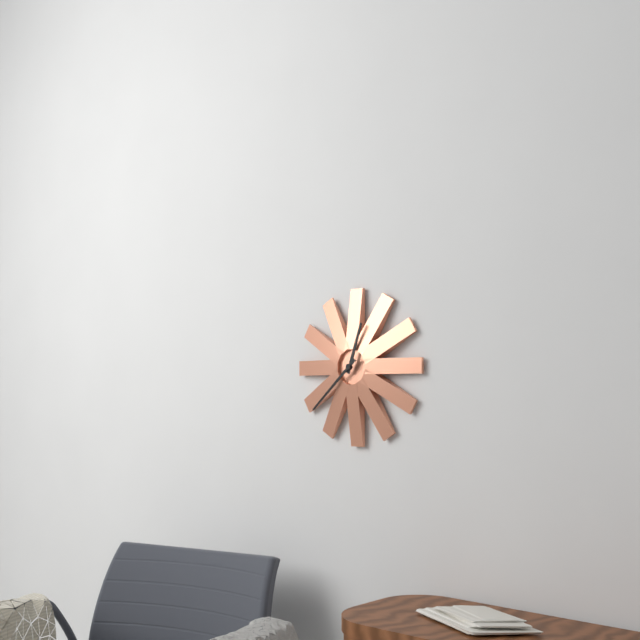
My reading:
12h38
